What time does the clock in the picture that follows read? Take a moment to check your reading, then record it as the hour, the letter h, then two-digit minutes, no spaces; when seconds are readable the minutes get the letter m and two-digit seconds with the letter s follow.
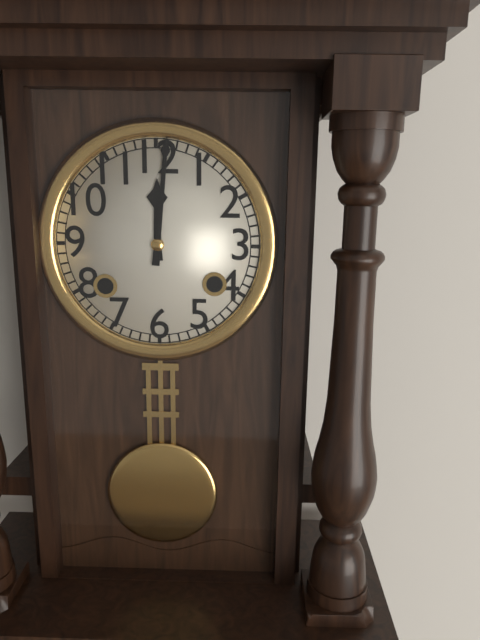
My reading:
12h01
